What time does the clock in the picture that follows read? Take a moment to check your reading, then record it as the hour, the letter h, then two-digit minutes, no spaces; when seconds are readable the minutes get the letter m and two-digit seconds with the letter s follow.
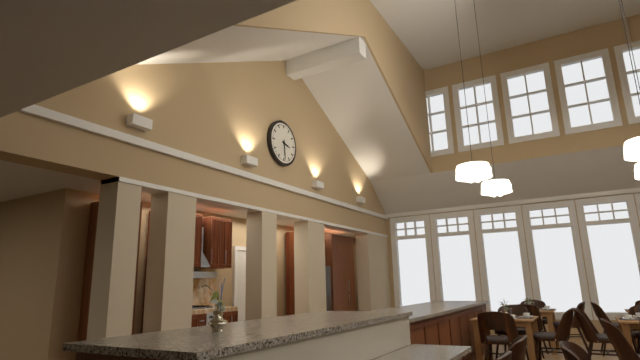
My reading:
3h29
